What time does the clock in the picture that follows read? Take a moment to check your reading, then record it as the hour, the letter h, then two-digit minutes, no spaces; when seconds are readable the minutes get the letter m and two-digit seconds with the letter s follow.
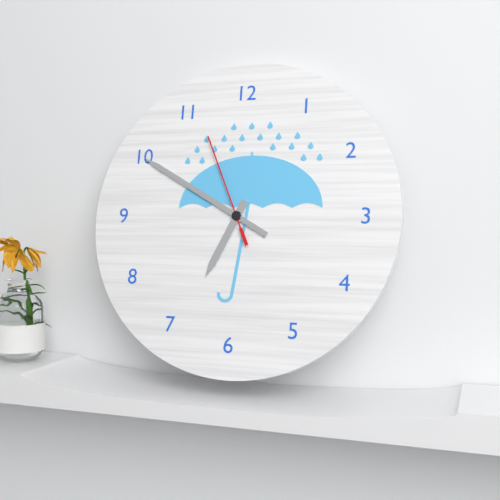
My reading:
6h50m56s
